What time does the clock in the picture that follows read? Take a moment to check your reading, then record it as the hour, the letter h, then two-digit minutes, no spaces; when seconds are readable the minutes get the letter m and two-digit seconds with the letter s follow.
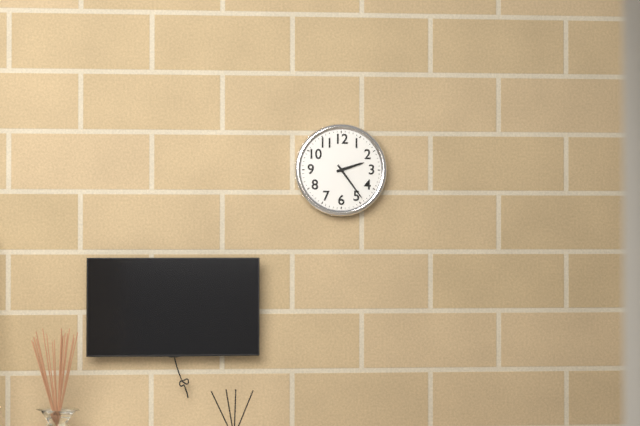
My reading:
2h24
